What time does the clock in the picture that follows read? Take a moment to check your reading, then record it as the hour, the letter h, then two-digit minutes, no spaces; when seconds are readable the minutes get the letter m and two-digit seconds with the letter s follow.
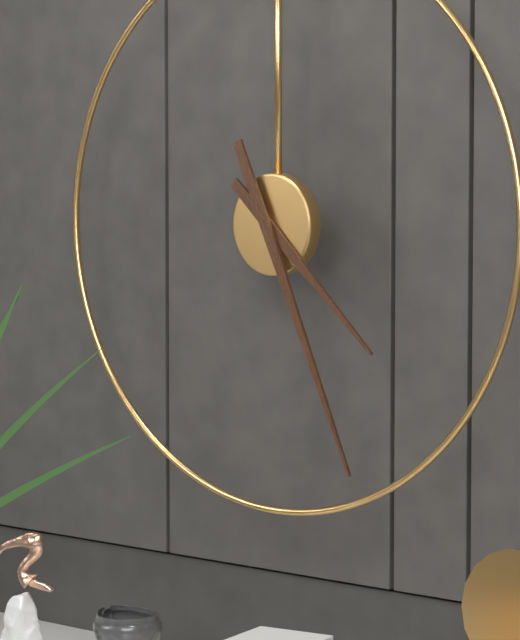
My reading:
4h26
